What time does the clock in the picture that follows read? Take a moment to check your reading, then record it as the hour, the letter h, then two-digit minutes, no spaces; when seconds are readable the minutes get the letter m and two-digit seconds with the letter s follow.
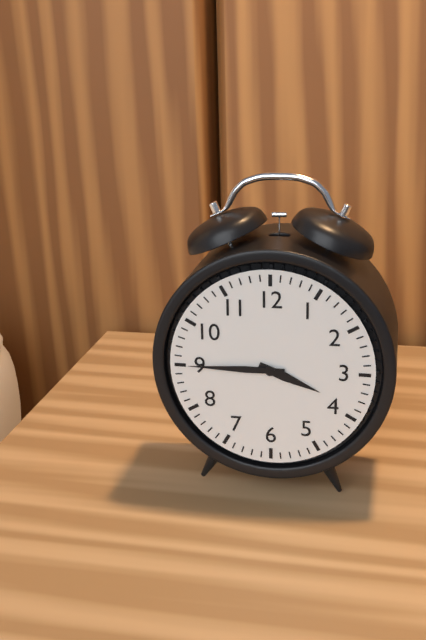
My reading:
3h45
